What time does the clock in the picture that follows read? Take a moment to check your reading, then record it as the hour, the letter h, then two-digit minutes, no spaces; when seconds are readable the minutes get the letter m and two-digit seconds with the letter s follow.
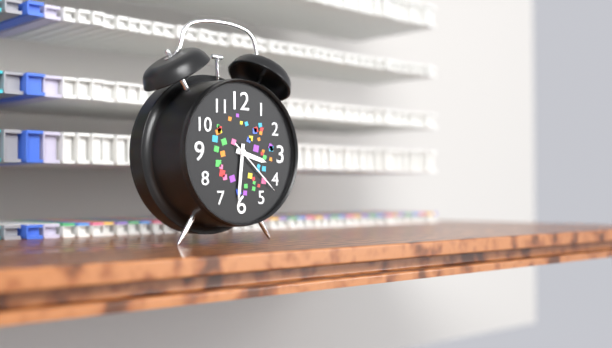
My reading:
3h31m22s
